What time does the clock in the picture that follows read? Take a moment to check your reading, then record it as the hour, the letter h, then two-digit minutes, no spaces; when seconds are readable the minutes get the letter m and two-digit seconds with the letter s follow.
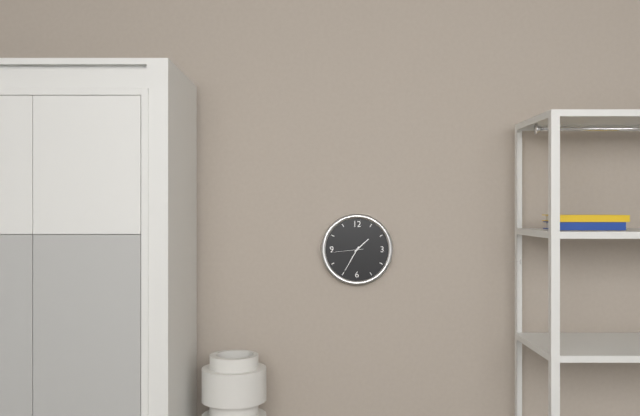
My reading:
1h35
